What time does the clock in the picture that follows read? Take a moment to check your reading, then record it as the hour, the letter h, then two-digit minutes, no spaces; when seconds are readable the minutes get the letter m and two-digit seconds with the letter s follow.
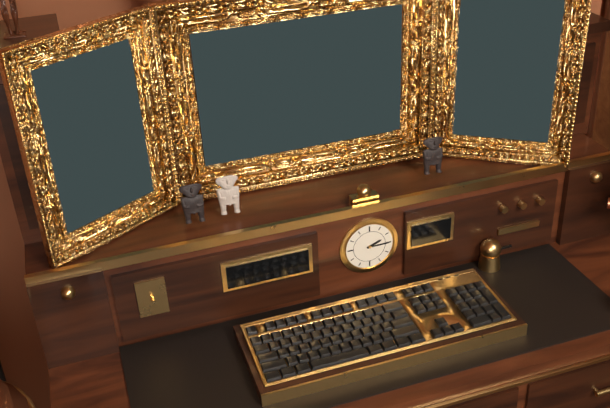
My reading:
2h15
